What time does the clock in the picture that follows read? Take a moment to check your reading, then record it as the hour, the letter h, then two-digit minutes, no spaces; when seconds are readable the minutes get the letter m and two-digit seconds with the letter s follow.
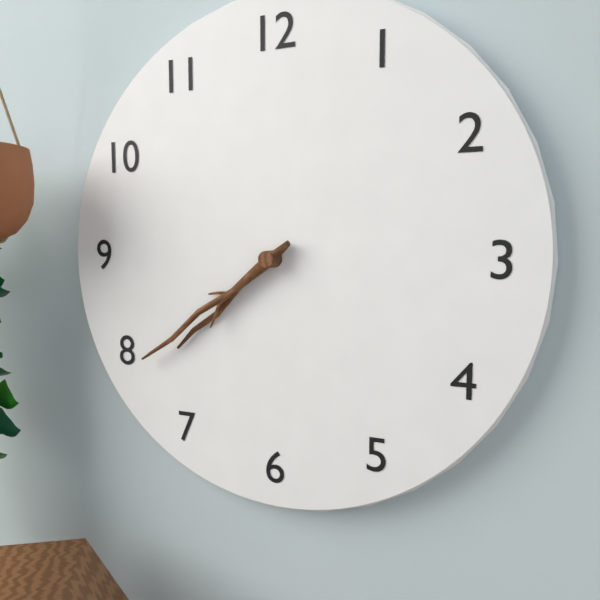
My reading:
7h39
